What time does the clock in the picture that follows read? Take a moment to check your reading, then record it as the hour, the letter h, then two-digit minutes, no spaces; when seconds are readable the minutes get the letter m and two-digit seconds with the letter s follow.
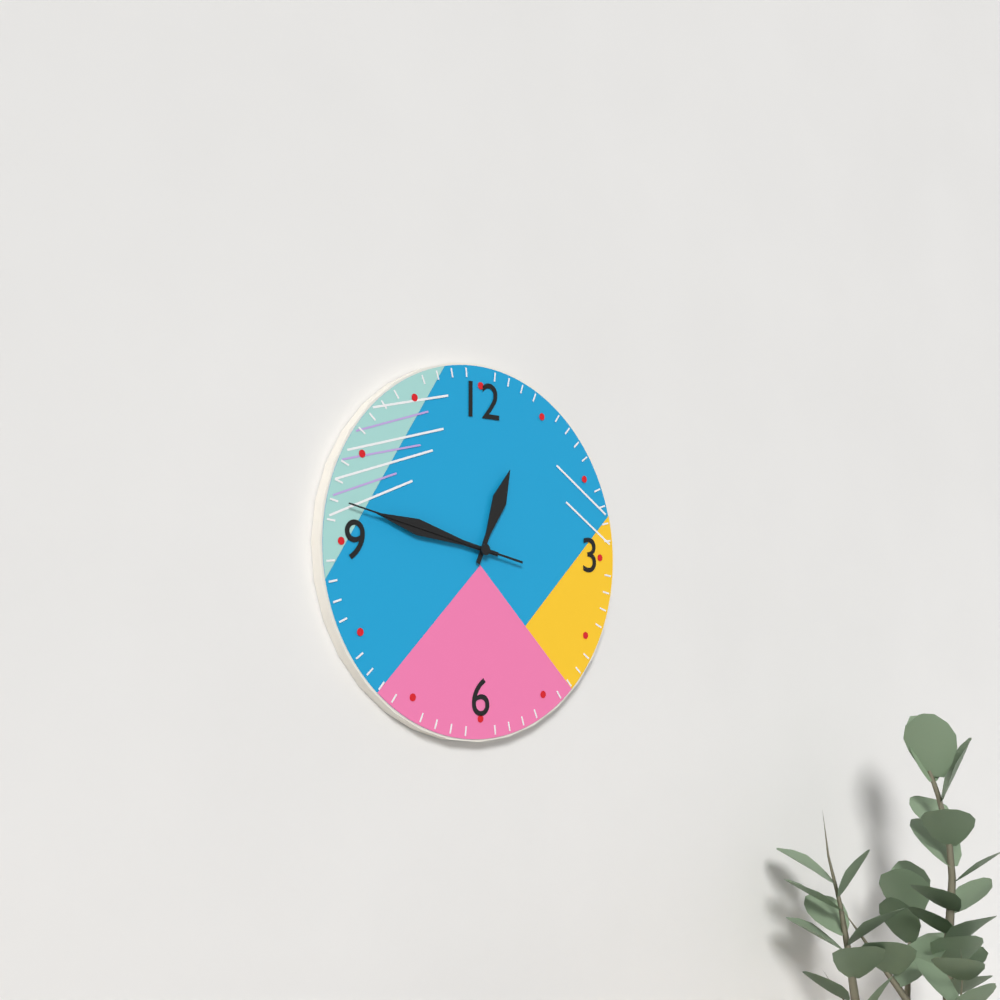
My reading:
12h47m47s
